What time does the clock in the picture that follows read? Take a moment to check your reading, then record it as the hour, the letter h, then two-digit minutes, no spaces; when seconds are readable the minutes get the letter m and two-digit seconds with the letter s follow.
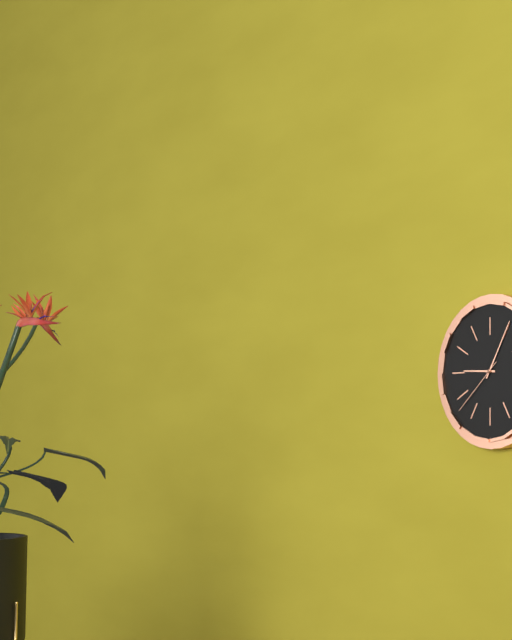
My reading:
9h05m38s
